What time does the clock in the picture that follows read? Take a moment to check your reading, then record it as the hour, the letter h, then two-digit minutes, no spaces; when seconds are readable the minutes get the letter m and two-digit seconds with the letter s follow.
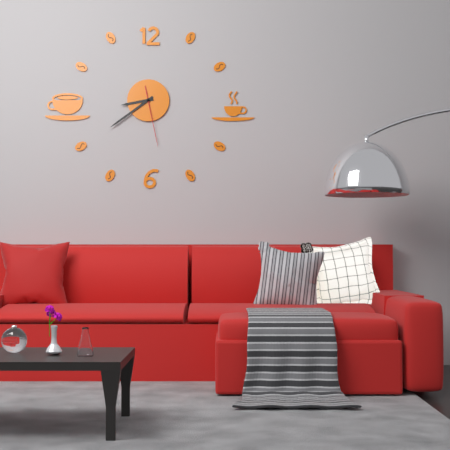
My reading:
8h39m28s
